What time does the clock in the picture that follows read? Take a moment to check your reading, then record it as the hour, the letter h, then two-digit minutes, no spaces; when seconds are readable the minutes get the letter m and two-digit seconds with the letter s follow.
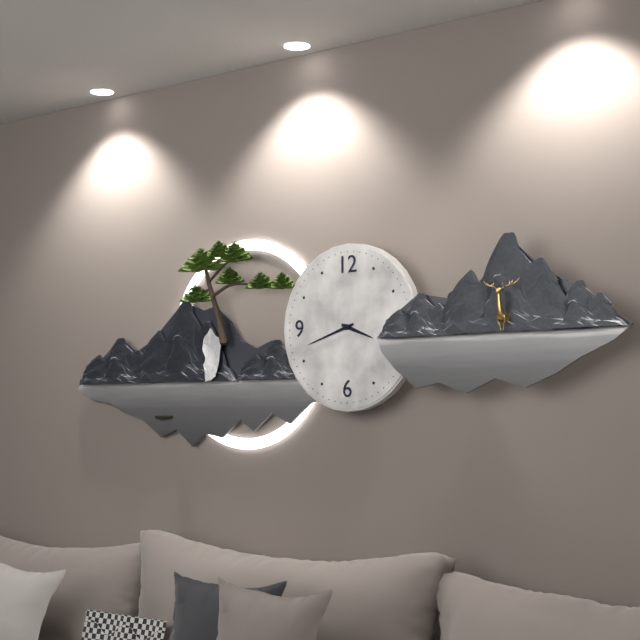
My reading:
3h42
